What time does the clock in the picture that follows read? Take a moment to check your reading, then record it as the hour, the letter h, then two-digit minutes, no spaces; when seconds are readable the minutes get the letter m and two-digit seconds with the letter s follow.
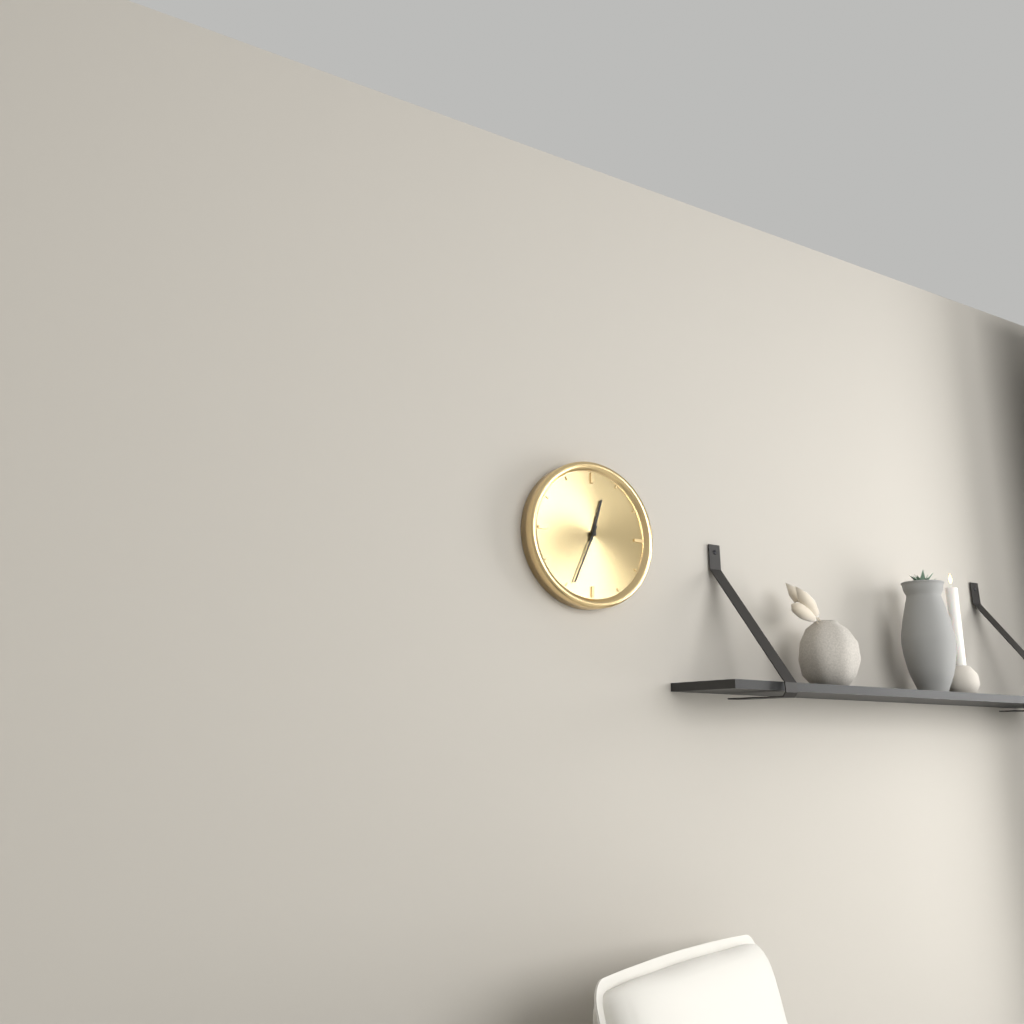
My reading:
12h34
